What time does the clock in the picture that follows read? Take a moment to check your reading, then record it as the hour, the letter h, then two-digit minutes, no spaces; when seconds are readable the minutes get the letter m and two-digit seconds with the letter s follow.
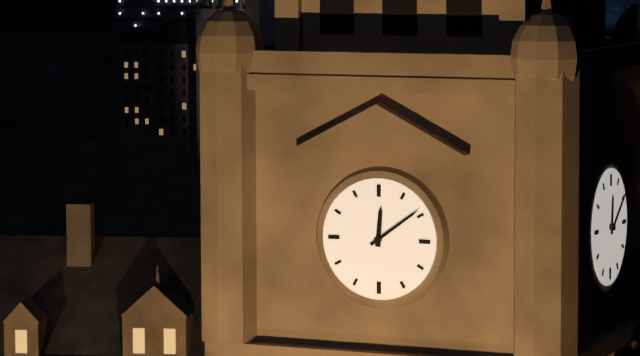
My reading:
12h09
